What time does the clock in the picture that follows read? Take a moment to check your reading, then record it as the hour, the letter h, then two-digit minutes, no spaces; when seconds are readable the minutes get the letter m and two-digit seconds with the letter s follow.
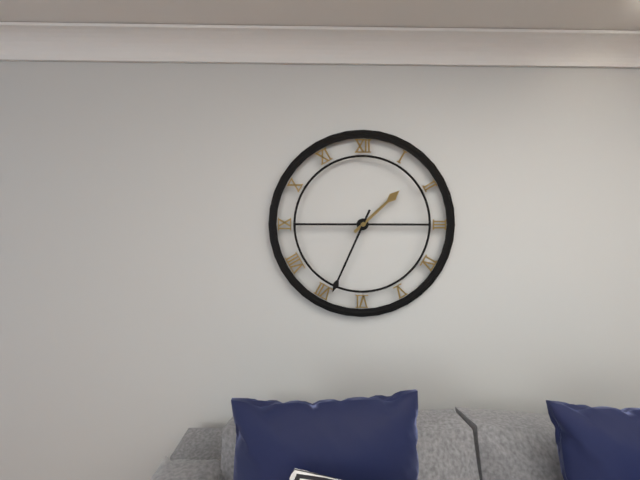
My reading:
1h34
